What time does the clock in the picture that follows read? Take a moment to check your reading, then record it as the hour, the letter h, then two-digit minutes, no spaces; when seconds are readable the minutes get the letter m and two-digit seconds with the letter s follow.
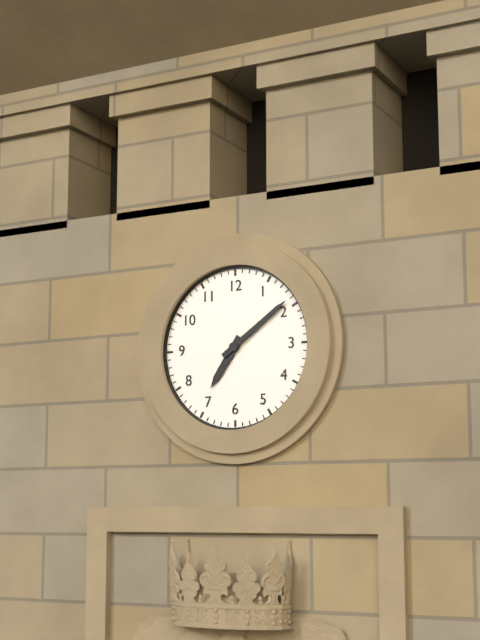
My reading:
7h09
